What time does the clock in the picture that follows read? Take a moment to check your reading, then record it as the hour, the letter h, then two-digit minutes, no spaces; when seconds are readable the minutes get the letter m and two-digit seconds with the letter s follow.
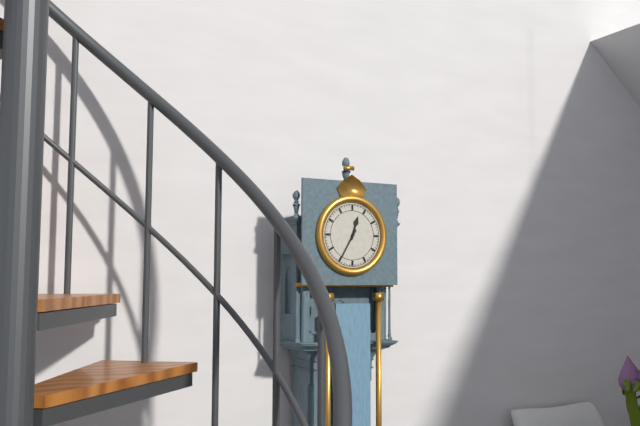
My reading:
12h35
